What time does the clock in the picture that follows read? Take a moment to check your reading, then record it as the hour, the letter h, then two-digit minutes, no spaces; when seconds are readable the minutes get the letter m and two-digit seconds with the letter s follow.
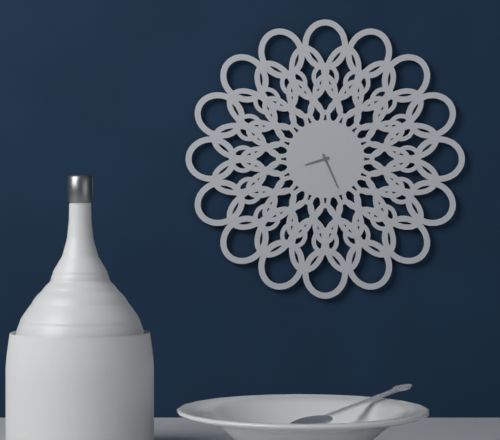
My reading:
8h26
